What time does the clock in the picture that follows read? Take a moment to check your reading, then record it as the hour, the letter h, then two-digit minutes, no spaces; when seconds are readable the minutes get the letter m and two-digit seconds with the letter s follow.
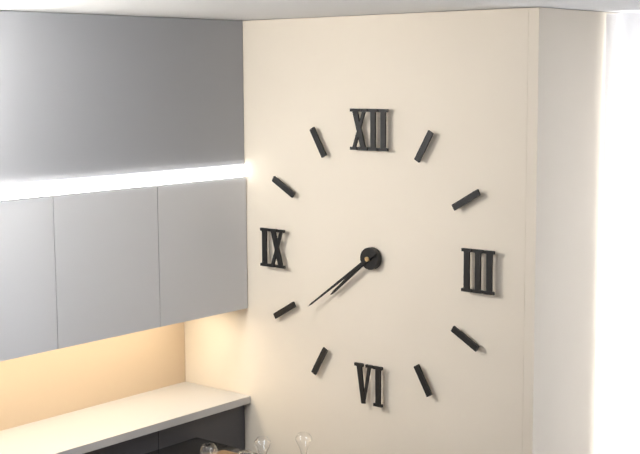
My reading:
7h39
